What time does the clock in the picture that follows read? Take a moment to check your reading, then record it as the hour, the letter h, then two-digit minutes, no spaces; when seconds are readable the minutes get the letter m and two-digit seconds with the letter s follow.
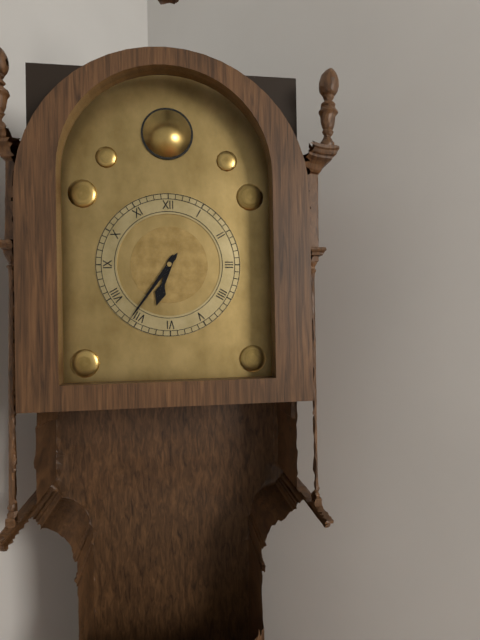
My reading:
6h36
